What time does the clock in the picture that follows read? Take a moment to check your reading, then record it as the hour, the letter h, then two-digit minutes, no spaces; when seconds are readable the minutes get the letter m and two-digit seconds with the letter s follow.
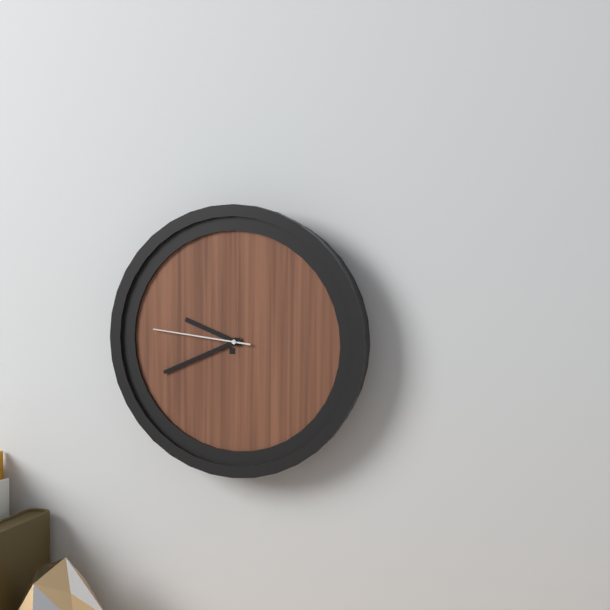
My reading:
9h41m46s
